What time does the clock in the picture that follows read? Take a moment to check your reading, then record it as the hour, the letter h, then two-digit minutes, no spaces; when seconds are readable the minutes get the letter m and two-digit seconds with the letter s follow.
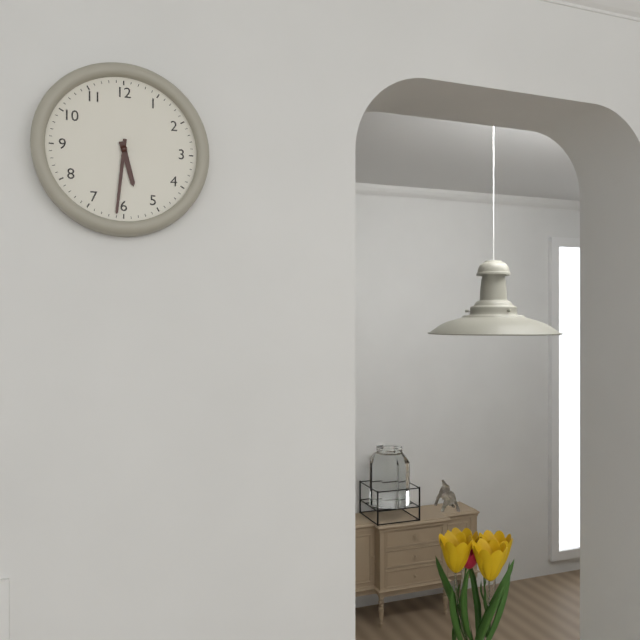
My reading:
5h31
